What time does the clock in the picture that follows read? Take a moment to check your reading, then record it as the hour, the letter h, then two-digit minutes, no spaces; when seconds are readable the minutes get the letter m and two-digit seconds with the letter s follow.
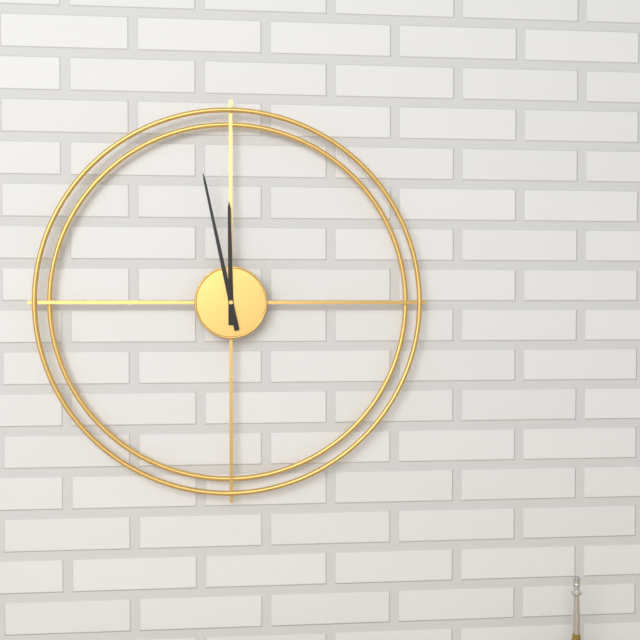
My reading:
11h58
